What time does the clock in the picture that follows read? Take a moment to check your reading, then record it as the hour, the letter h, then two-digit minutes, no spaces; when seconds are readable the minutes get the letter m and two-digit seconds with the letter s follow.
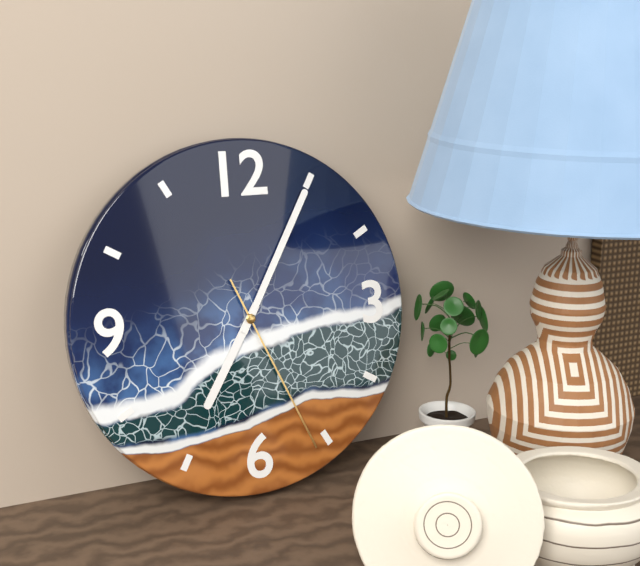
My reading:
7h05m26s
